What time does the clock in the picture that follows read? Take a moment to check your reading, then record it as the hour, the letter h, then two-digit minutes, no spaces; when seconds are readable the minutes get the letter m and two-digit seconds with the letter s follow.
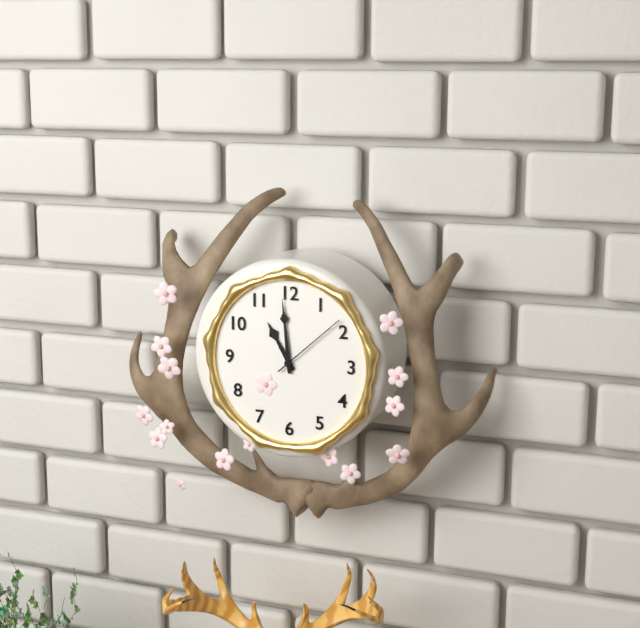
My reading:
10h59m08s
